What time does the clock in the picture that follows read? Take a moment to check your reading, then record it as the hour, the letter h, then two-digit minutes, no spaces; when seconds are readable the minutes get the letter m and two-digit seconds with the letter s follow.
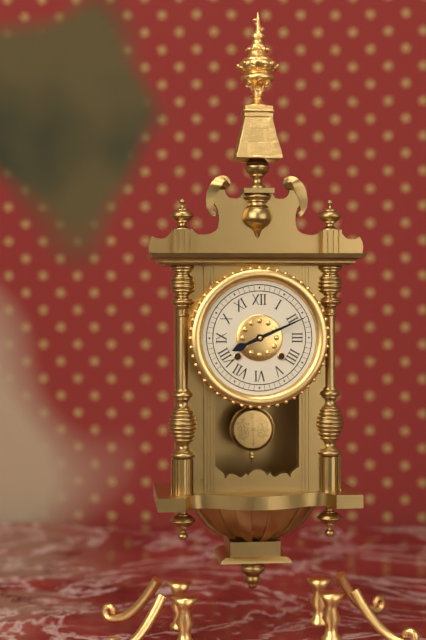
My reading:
8h11
